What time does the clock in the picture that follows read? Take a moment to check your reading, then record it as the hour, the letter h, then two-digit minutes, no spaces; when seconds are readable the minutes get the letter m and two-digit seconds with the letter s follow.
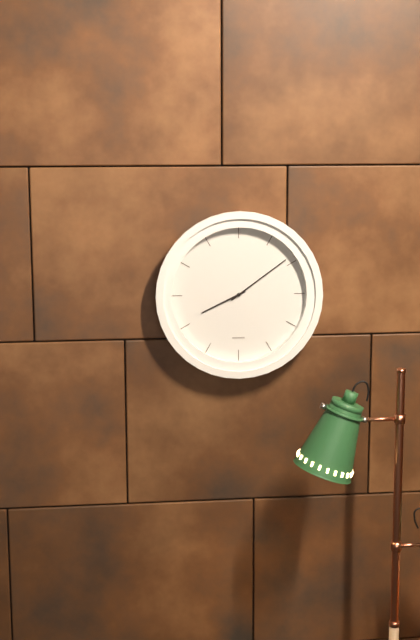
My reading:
8h09
